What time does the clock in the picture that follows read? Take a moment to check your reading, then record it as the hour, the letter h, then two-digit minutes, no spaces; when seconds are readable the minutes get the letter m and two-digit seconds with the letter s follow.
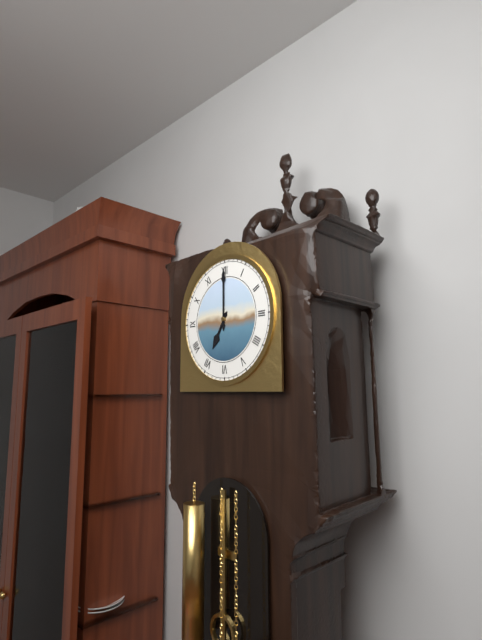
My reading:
7h00
